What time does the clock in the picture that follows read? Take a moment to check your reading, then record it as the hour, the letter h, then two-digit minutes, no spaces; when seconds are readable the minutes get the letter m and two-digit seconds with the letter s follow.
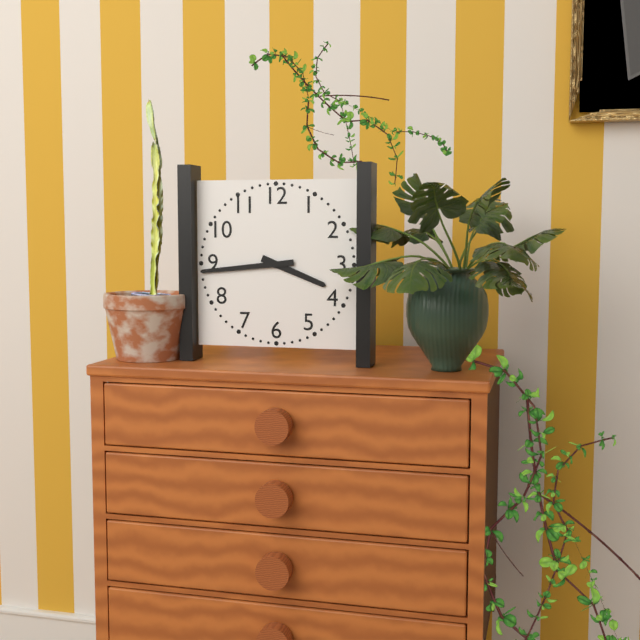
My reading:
3h44
